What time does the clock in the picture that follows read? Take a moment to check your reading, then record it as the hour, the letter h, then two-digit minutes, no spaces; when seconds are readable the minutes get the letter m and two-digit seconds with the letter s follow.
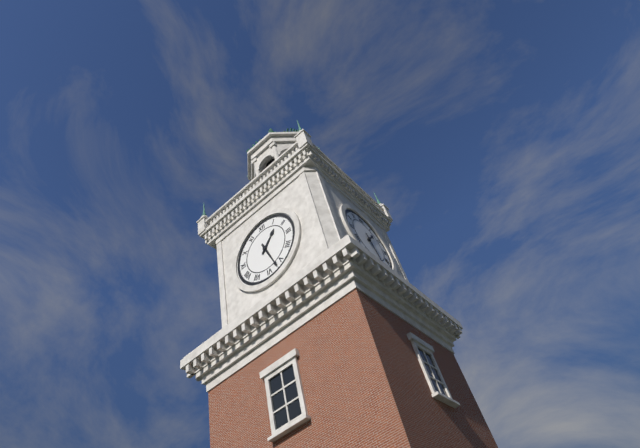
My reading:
1h27
